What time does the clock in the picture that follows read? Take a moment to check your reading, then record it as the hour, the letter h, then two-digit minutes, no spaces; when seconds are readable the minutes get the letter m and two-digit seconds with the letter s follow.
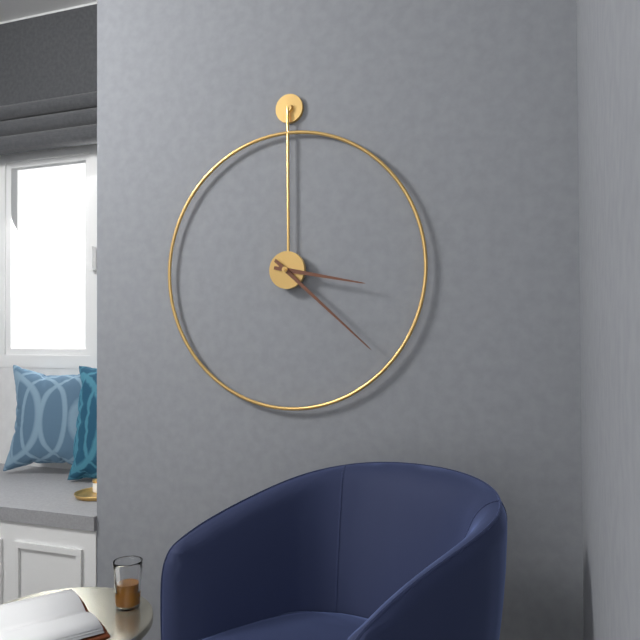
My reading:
3h22
